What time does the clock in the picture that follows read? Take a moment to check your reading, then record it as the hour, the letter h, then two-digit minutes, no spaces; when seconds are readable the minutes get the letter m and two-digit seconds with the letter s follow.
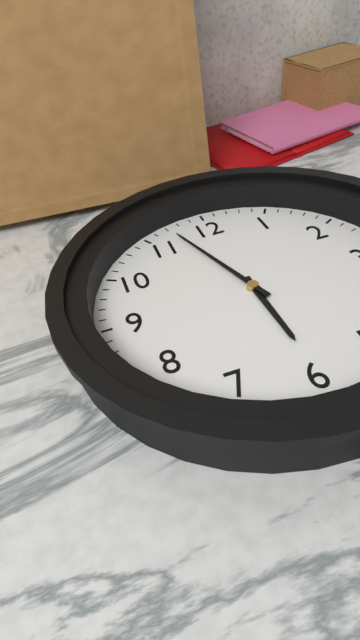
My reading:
5h57
